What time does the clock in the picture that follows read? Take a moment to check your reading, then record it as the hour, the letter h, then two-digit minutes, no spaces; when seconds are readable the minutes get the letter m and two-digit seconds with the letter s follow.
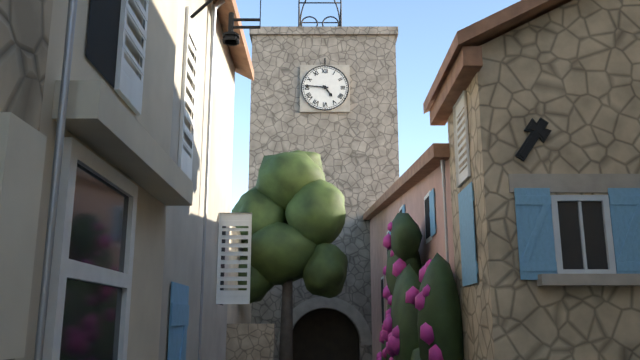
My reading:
4h46
